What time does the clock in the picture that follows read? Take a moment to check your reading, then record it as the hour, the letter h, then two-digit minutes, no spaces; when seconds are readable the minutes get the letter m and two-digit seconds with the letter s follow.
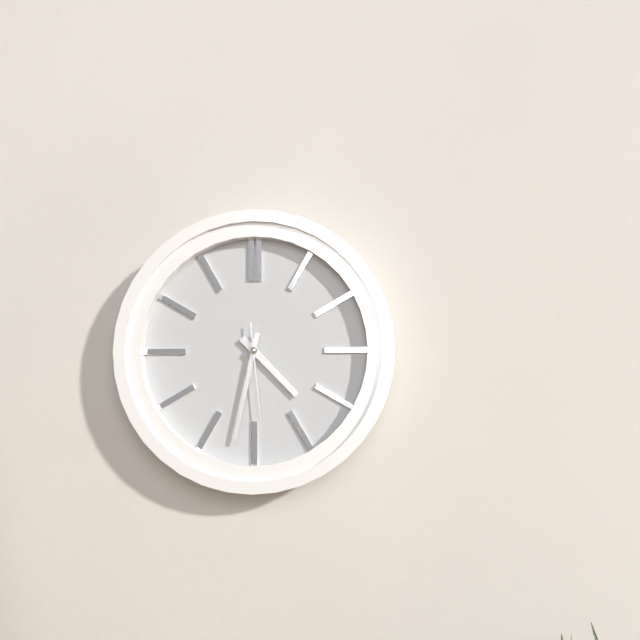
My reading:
4h32m29s
